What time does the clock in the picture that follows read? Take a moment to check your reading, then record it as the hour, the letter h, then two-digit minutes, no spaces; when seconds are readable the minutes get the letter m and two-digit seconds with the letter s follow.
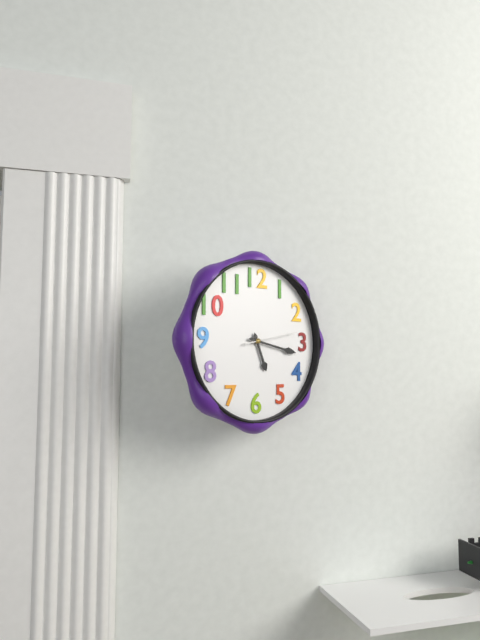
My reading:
5h17
